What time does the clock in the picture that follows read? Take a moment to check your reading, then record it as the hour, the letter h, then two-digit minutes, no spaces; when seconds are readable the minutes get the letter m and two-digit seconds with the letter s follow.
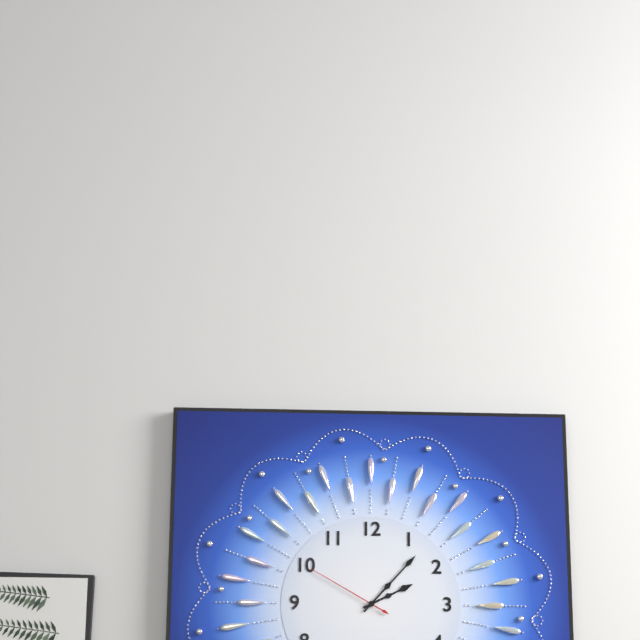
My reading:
2h07m50s
